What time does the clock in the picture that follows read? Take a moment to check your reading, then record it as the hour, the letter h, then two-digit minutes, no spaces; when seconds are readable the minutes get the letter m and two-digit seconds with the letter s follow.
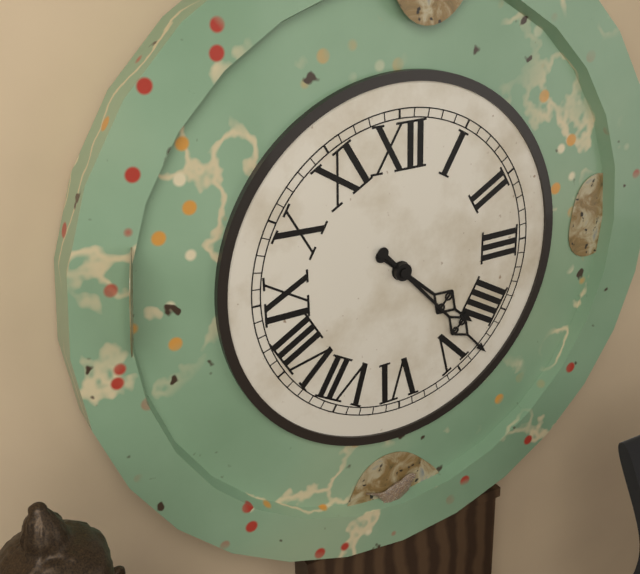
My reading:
4h23
